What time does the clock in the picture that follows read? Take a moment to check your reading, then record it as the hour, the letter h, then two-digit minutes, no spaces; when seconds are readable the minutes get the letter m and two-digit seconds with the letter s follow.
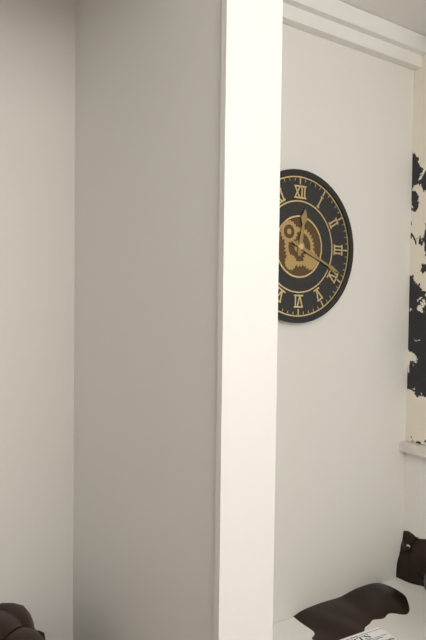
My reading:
12h19
